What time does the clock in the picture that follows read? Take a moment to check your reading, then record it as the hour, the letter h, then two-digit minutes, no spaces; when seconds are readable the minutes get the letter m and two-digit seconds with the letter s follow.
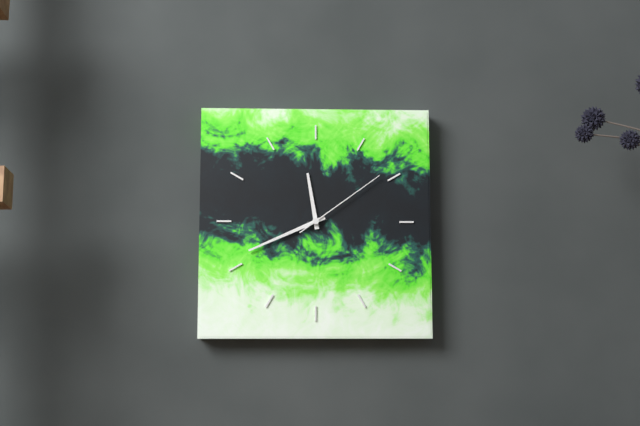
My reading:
11h41m09s
